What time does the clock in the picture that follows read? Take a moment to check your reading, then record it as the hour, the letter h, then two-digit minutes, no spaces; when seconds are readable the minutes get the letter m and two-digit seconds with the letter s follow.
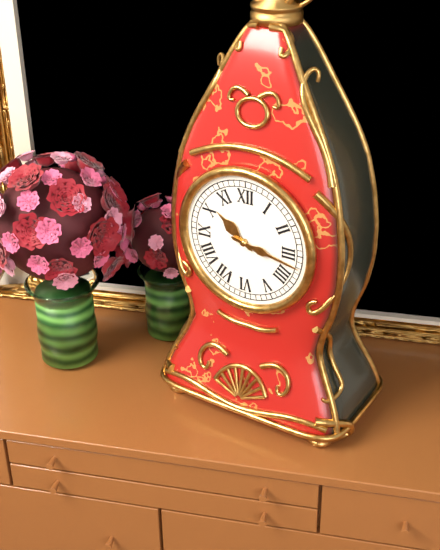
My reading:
10h17
